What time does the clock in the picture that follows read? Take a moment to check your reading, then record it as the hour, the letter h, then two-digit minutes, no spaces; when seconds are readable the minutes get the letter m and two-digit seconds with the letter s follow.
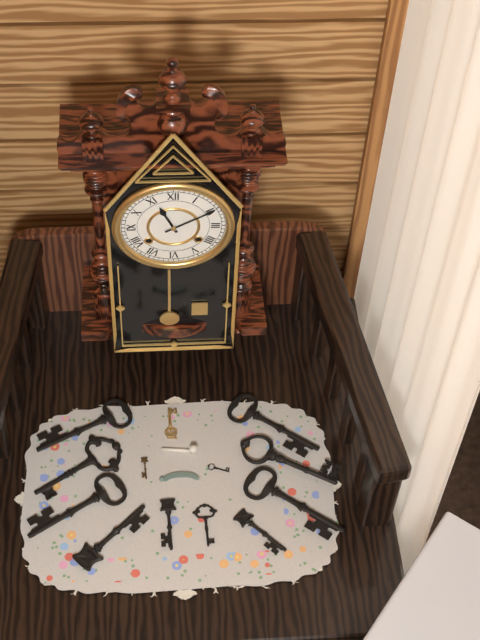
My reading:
11h10
